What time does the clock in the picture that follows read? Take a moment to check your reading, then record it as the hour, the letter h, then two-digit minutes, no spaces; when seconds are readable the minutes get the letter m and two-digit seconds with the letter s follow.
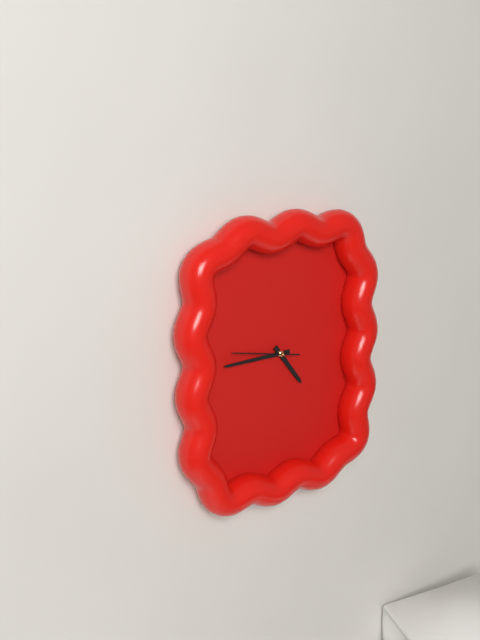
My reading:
4h45m47s
